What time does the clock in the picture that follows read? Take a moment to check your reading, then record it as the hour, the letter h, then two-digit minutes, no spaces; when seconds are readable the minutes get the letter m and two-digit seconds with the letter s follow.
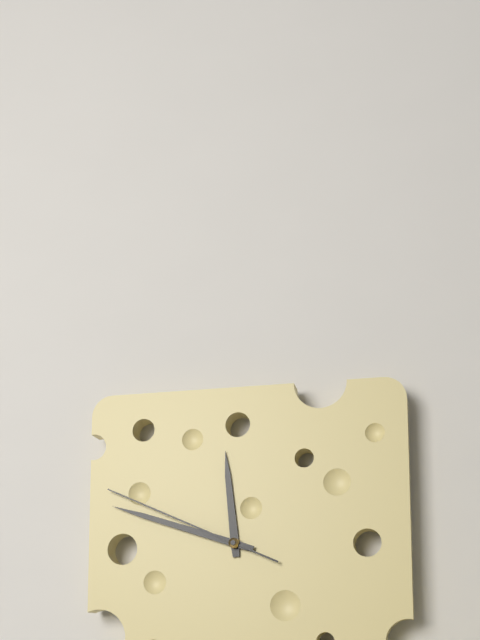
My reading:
11h48m49s
